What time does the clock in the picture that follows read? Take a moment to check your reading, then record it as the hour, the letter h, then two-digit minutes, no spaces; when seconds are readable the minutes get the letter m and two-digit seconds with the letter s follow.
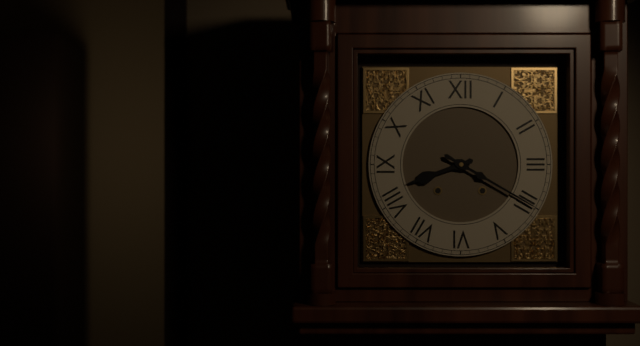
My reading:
8h20
